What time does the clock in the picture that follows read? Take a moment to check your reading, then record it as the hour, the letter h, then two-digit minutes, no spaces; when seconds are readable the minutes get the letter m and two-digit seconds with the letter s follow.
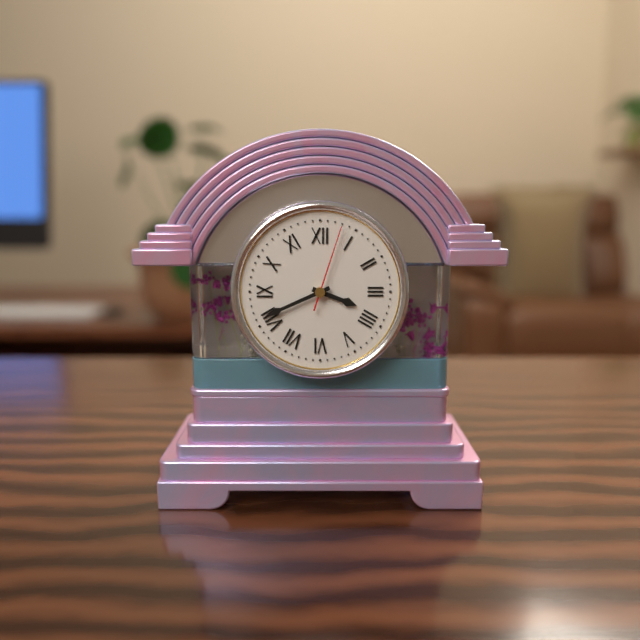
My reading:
3h41m03s
